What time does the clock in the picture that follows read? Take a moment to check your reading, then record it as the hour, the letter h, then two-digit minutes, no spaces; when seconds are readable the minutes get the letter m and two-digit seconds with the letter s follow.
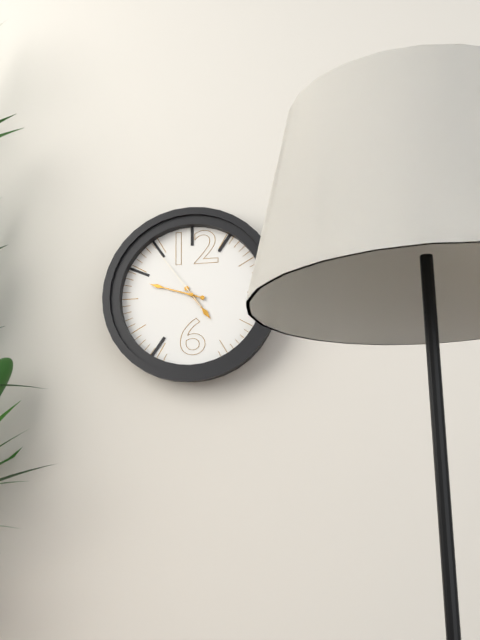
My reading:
4h48m54s
